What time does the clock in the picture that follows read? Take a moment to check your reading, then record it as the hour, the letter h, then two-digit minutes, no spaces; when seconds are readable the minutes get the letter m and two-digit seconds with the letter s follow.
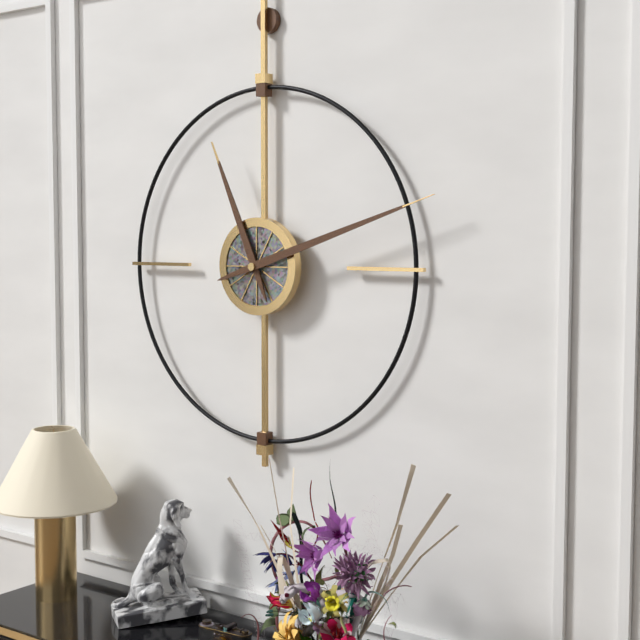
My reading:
11h12
